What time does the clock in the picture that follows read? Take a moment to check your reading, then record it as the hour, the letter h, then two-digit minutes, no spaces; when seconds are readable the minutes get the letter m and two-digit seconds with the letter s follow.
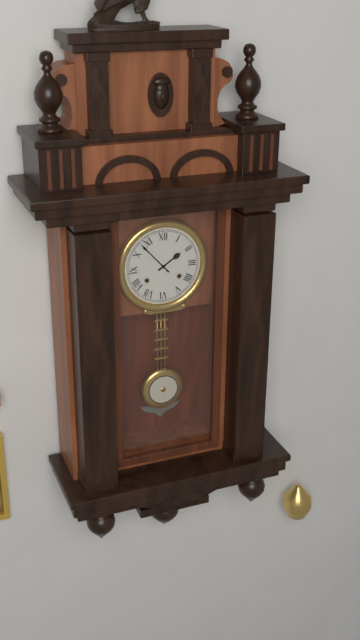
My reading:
1h53
